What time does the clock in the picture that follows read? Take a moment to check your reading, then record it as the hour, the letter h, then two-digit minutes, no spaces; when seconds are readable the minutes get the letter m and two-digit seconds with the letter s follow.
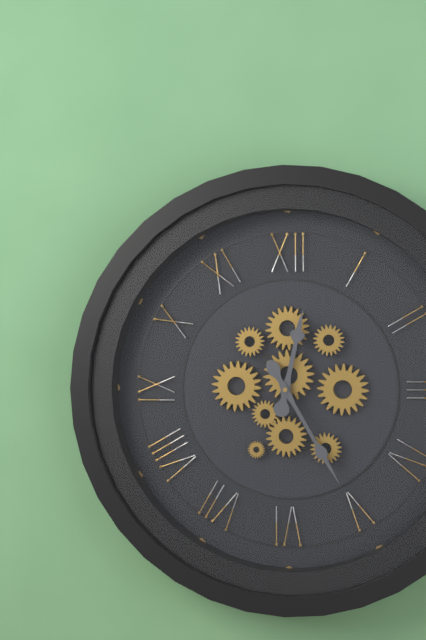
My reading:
12h25
